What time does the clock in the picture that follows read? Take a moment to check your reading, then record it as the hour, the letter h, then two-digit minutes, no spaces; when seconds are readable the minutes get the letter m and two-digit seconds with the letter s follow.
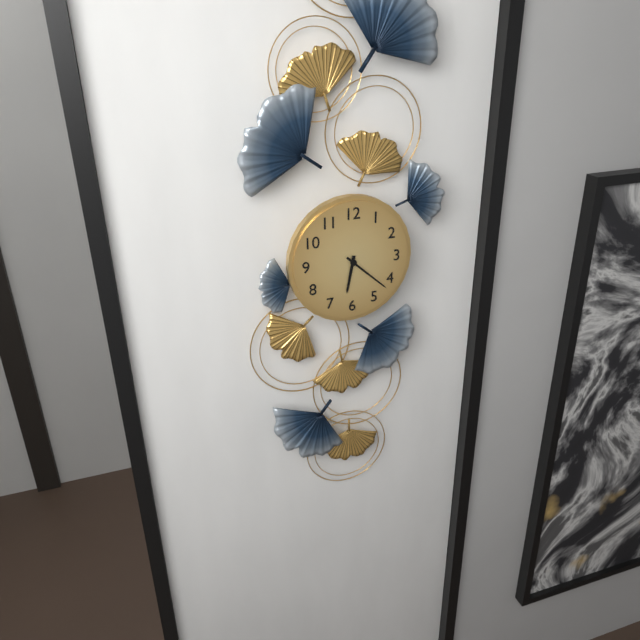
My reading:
6h22
